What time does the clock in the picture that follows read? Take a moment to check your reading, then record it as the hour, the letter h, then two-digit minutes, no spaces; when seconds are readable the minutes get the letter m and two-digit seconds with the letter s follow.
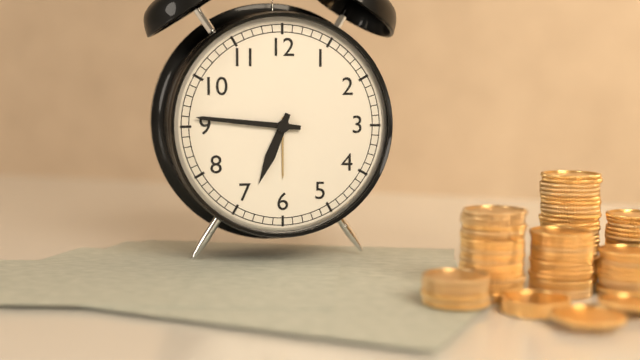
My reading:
6h46
